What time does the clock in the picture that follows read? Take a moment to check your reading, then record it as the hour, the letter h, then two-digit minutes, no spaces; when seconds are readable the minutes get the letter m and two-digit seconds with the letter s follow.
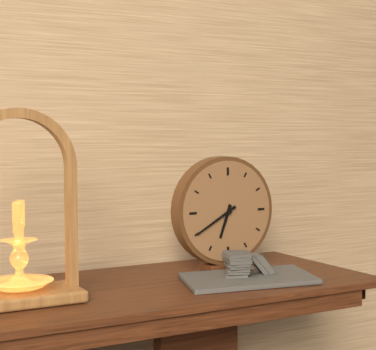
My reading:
6h40
